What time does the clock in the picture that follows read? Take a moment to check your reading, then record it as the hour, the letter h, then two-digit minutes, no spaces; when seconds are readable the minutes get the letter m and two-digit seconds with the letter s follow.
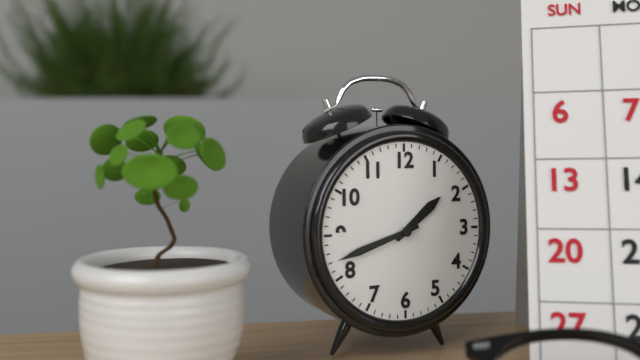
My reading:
1h42
